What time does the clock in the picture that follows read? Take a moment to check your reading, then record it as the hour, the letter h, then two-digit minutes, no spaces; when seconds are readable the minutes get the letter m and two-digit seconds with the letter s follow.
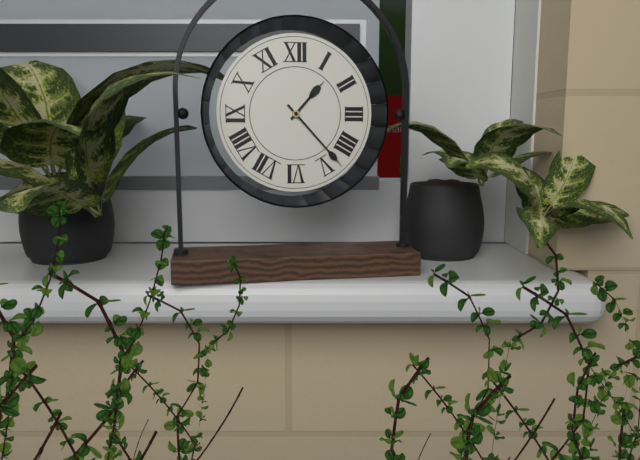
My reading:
1h23
